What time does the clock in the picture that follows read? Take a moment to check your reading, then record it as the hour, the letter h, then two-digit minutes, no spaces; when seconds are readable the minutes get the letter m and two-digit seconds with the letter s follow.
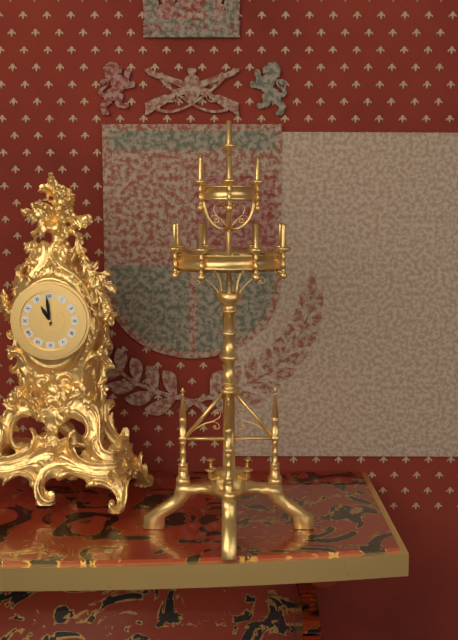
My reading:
10h59
